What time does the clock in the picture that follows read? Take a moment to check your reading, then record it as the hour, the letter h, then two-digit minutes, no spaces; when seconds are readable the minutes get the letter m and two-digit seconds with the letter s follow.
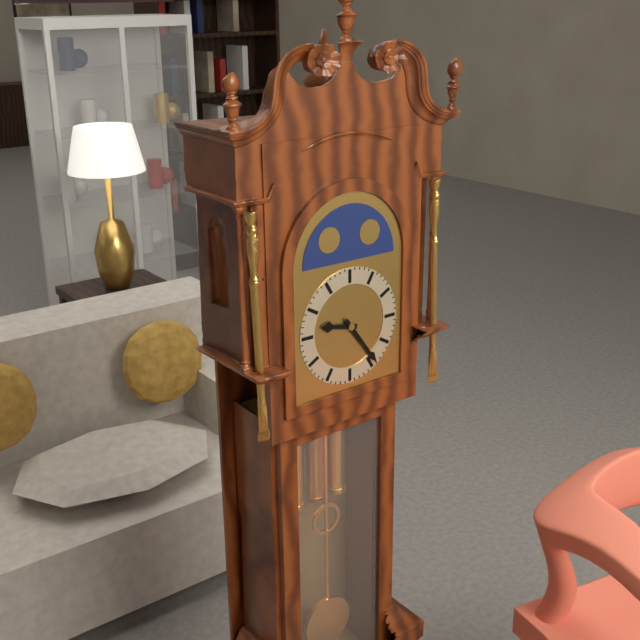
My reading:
9h24
